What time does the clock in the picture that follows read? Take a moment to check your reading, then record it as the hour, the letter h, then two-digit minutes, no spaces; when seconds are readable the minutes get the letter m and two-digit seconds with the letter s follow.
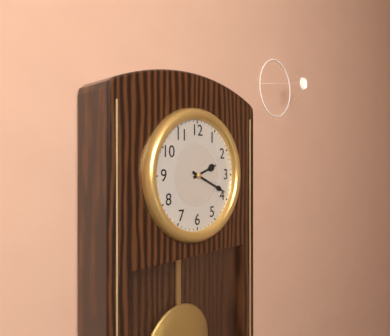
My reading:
2h19
